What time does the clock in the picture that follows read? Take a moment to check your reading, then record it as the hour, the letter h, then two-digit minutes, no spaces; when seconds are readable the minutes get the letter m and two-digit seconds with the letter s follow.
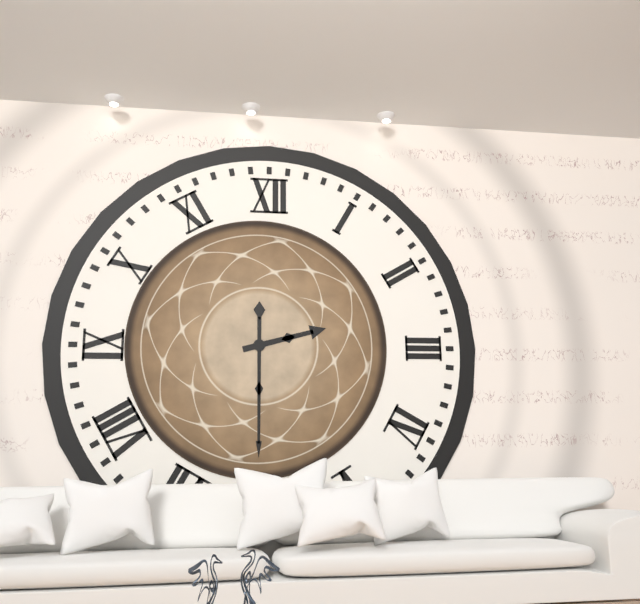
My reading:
2h30
